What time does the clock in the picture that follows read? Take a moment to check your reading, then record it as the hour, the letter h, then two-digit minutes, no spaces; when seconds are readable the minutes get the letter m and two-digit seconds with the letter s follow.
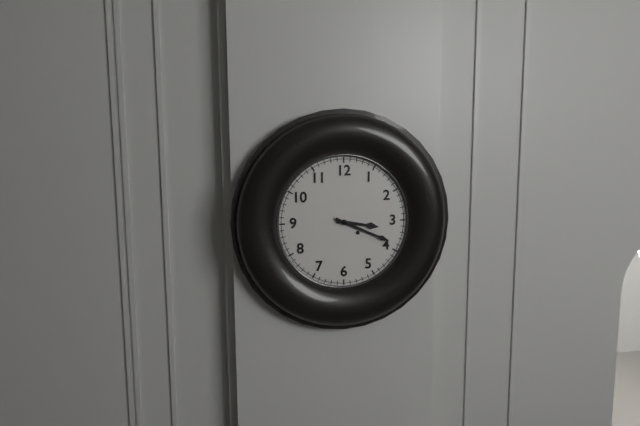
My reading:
3h19
